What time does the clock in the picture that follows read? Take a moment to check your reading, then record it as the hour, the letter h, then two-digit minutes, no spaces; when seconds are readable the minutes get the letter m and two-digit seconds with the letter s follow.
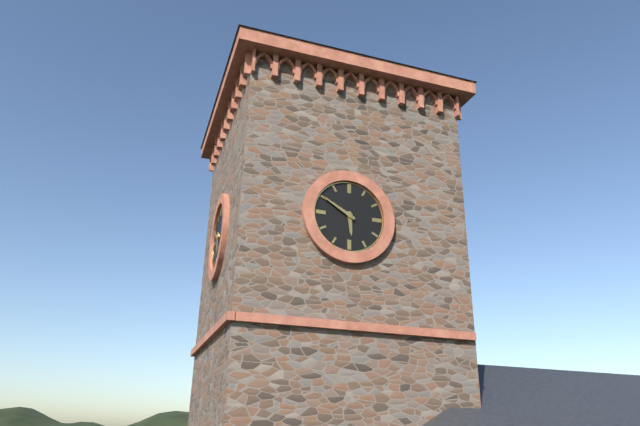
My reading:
5h50
